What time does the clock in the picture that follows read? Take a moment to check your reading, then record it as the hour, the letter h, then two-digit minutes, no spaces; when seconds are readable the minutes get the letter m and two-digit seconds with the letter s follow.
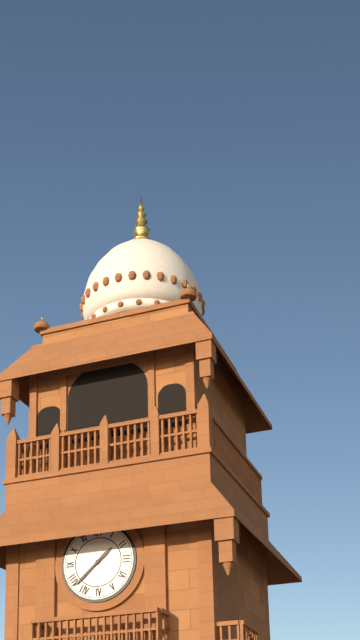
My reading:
1h38
